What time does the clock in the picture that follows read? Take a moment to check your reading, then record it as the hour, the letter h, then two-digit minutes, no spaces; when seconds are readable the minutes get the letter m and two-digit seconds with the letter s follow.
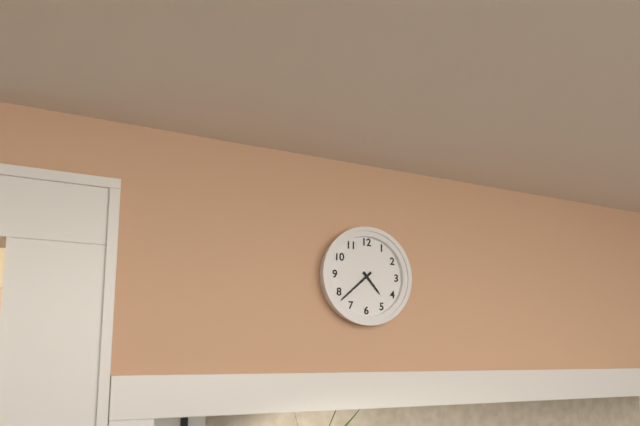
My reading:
4h38
